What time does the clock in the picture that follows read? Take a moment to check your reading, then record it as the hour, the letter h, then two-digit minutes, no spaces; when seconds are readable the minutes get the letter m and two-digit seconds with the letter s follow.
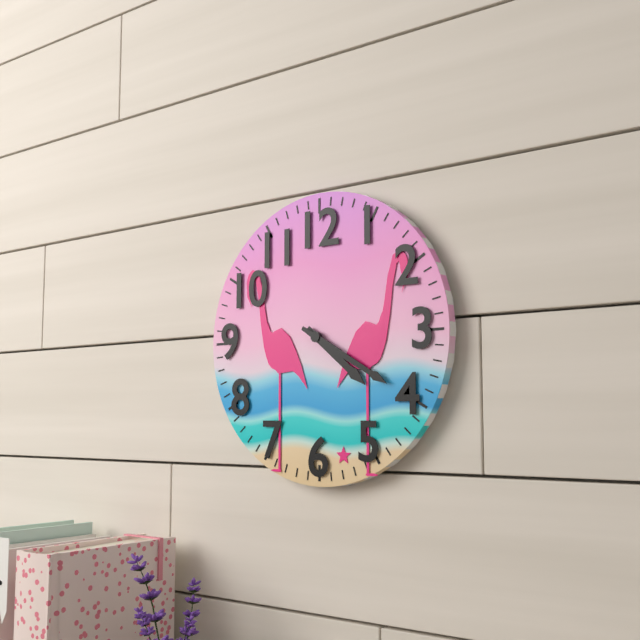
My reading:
4h20
